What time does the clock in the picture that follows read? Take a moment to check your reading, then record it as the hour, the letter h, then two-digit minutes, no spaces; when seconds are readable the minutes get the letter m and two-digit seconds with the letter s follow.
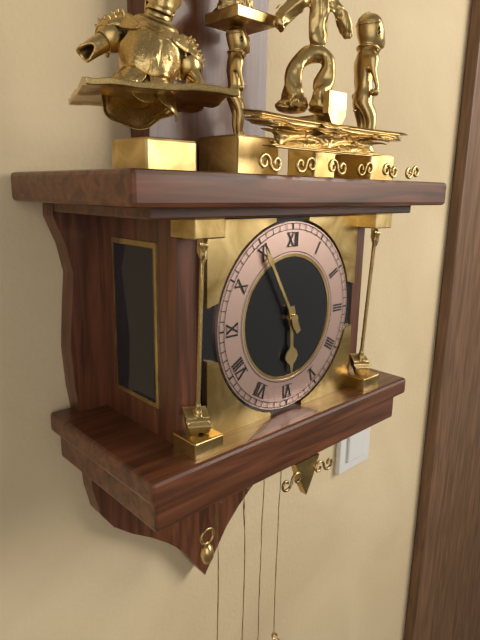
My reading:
5h55
